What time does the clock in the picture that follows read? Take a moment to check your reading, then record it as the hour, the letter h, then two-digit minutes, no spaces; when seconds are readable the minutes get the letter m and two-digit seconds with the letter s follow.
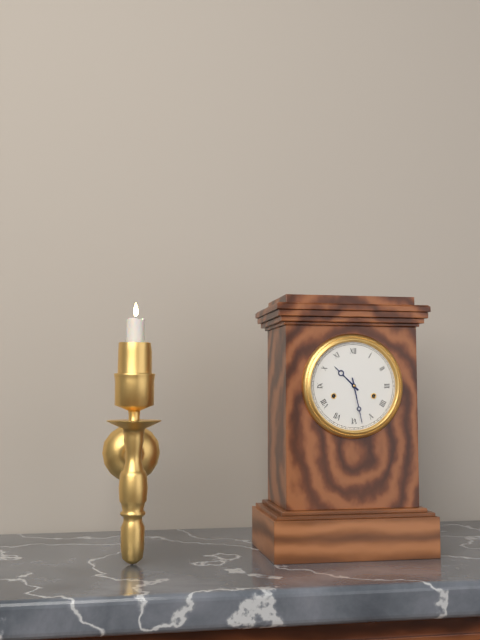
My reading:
10h28
